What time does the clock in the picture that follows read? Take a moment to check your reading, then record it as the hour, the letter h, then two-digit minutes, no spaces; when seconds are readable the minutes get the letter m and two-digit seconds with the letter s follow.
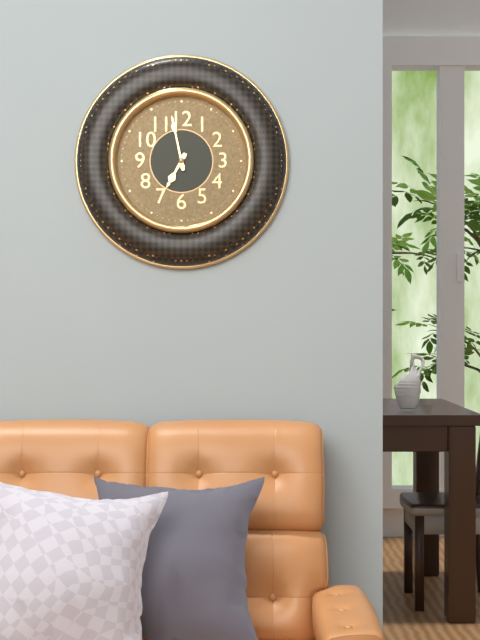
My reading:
6h58
